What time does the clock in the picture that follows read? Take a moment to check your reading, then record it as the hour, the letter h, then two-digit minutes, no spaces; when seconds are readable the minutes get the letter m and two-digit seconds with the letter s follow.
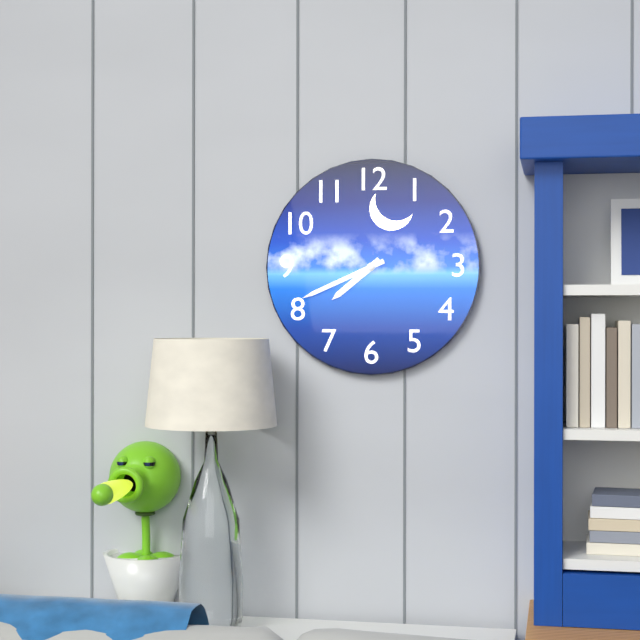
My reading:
7h41
